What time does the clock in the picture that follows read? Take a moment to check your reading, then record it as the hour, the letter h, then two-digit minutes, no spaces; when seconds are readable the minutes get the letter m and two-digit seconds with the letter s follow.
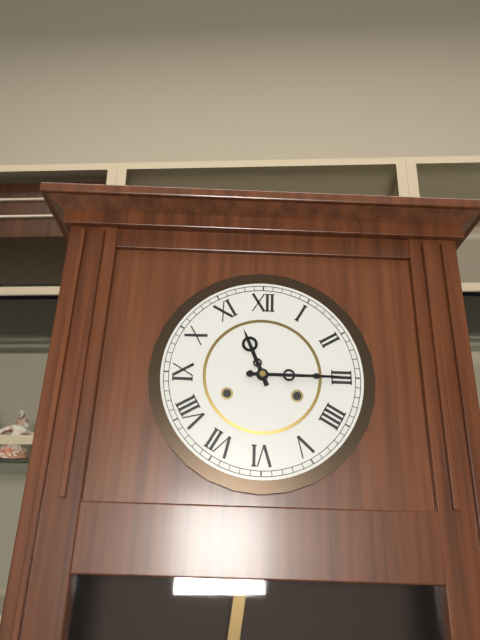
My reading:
11h15
